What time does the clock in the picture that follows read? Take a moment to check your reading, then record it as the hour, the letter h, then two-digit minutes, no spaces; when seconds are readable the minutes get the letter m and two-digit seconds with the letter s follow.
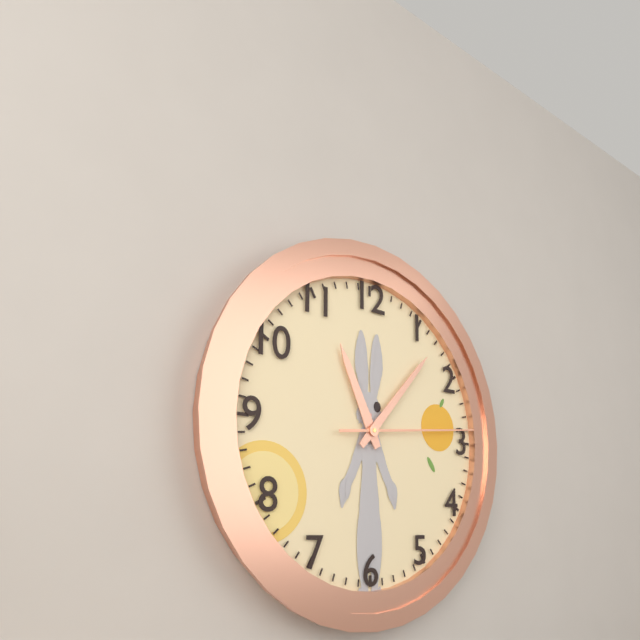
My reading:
11h07m14s
